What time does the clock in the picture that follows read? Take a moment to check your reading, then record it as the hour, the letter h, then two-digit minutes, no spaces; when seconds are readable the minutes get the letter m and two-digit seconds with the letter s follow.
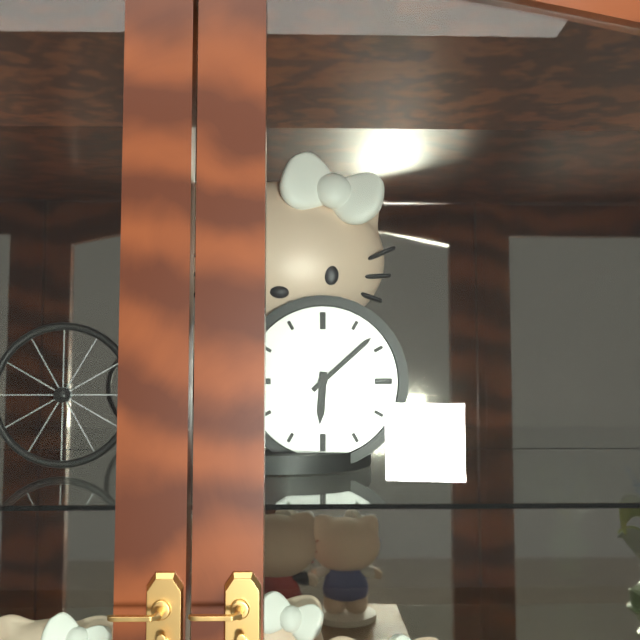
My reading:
6h08
